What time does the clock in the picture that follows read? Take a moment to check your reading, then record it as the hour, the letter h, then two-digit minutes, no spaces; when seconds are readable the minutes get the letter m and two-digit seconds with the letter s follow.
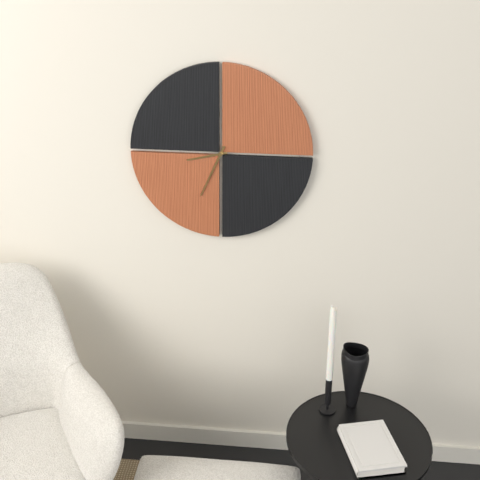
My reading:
8h34
